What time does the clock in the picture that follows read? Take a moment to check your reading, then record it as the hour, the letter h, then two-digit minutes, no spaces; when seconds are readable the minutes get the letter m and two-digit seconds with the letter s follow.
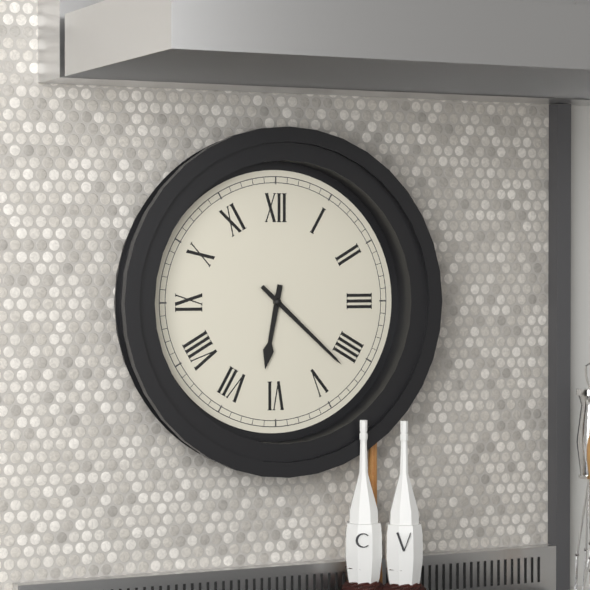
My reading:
6h22
